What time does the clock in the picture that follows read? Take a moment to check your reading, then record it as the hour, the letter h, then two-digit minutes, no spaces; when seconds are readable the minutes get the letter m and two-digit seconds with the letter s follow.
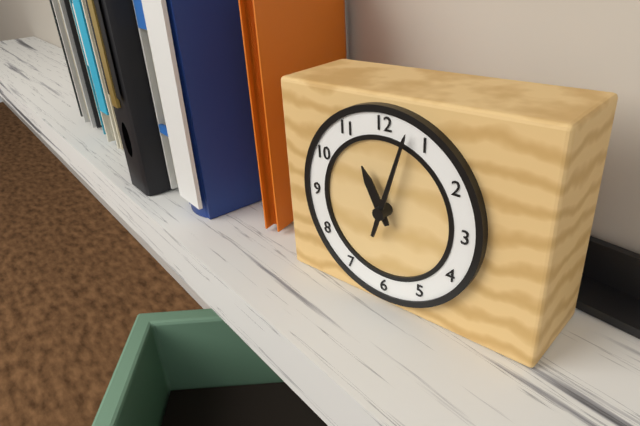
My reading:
11h03
